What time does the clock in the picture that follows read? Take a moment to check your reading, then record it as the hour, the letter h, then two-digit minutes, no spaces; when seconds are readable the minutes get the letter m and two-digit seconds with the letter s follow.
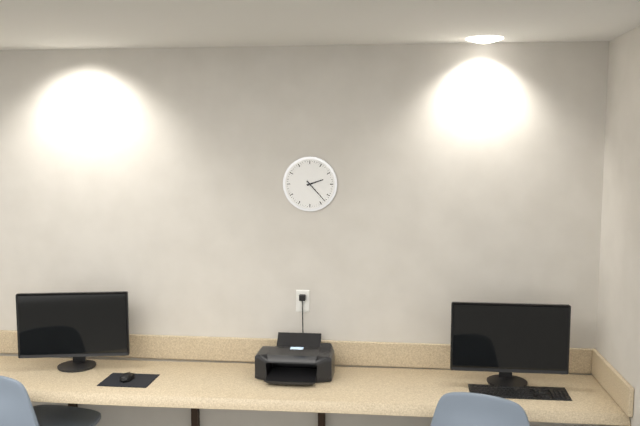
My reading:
2h23
